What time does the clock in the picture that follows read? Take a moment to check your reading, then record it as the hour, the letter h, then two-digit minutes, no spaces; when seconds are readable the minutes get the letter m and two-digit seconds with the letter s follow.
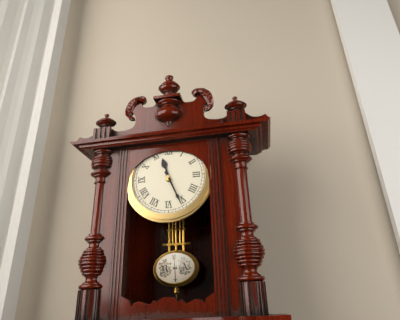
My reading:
11h26
